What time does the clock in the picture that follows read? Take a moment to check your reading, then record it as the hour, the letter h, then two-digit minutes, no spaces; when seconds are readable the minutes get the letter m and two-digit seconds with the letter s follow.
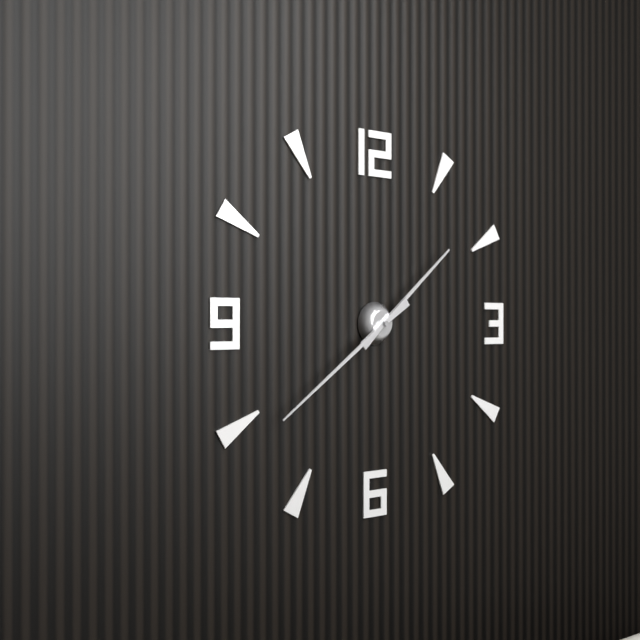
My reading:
1h39
